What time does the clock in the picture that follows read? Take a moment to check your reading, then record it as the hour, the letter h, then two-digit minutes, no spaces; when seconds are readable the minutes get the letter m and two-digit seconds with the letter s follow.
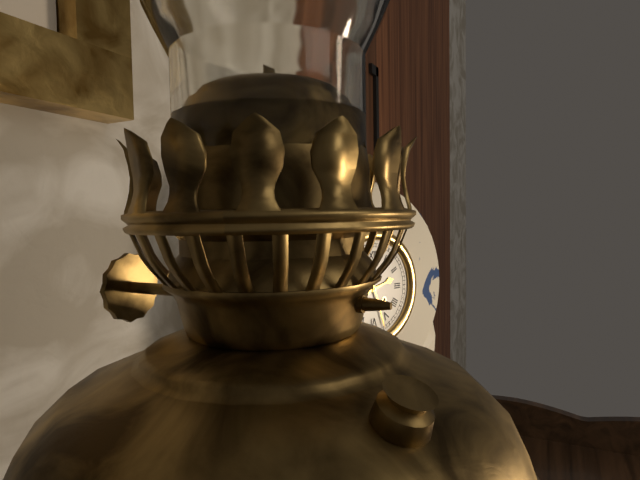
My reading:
2h27
